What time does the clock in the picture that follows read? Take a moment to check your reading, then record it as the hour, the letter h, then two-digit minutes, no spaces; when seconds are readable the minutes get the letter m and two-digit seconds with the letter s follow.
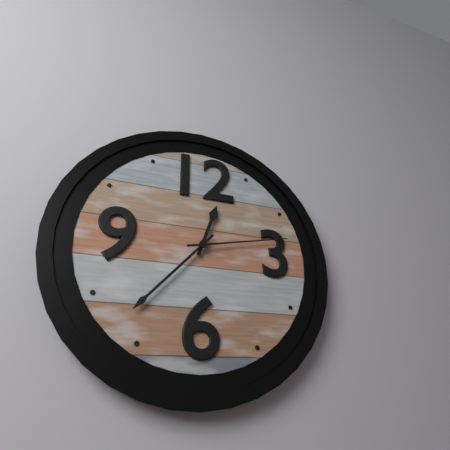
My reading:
12h37m13s
